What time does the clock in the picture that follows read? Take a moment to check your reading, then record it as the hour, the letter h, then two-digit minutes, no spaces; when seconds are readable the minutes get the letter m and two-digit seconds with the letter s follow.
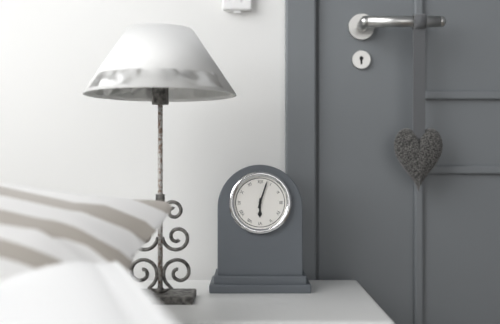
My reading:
6h03
